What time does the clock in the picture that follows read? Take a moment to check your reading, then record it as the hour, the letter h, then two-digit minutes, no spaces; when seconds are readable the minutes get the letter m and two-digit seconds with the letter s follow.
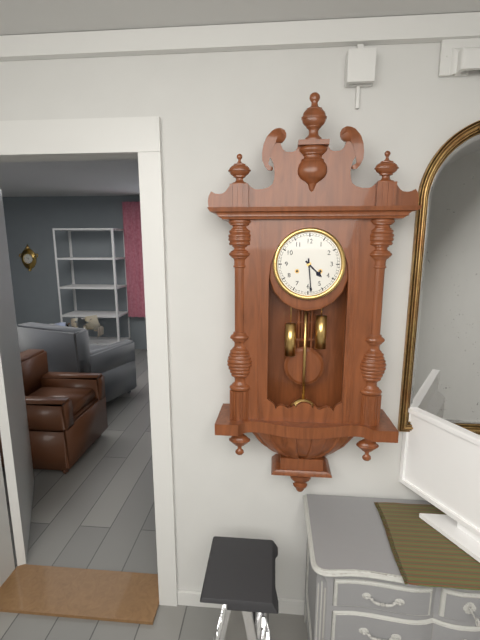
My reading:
4h29
